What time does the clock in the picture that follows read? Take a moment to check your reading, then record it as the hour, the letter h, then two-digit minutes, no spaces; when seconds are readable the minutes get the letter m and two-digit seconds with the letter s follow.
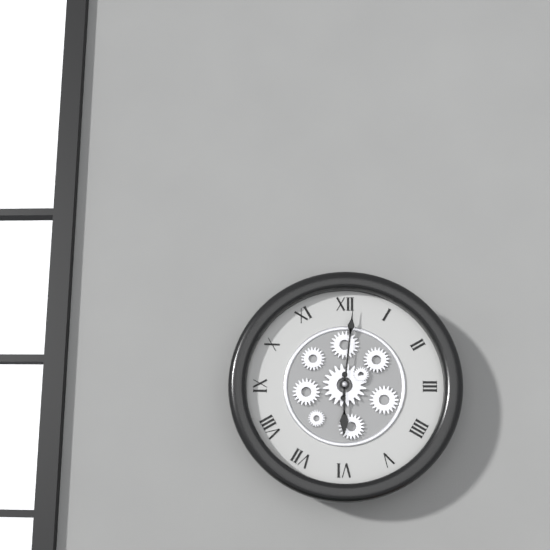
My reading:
6h01
